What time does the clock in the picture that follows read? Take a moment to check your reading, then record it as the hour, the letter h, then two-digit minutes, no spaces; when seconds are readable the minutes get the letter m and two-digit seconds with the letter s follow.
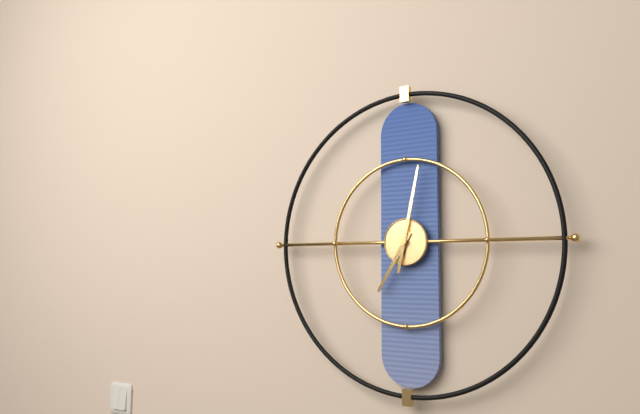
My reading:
7h02
